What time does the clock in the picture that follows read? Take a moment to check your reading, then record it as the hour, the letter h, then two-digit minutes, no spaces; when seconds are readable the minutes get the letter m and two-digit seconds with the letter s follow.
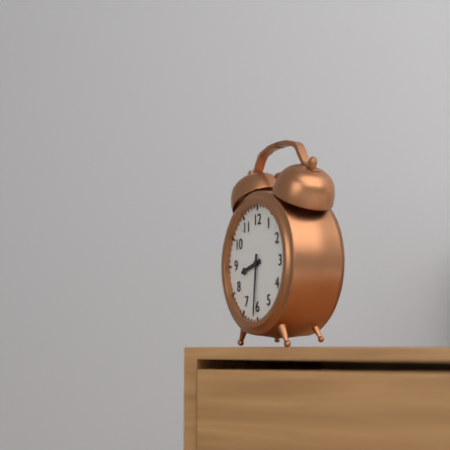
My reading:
8h31
